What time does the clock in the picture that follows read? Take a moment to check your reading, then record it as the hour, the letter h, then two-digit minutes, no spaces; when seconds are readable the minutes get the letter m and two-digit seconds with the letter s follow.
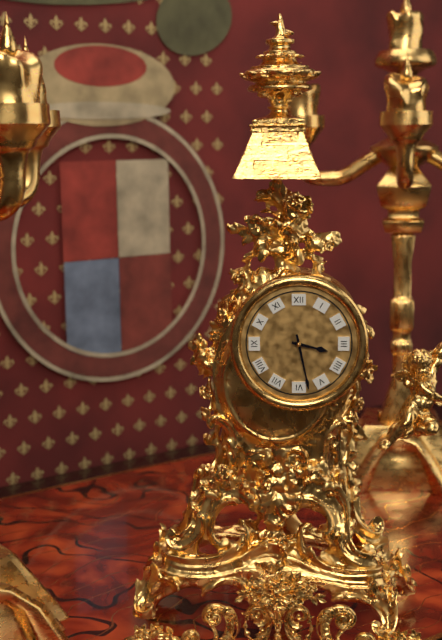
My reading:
3h28
